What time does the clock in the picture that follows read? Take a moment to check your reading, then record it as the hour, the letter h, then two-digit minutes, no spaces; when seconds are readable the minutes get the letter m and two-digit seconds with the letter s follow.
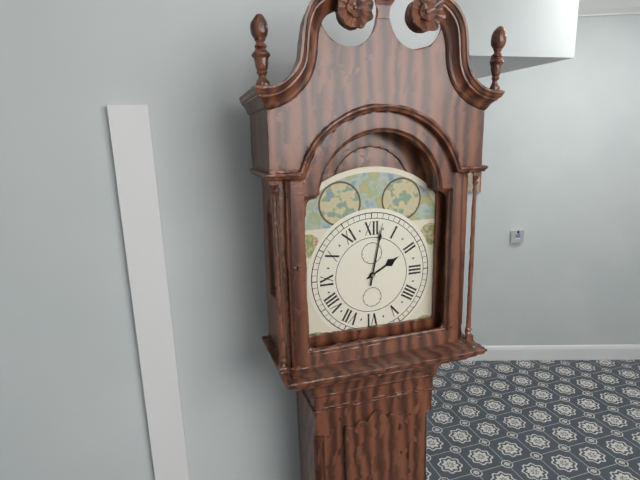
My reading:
2h02
